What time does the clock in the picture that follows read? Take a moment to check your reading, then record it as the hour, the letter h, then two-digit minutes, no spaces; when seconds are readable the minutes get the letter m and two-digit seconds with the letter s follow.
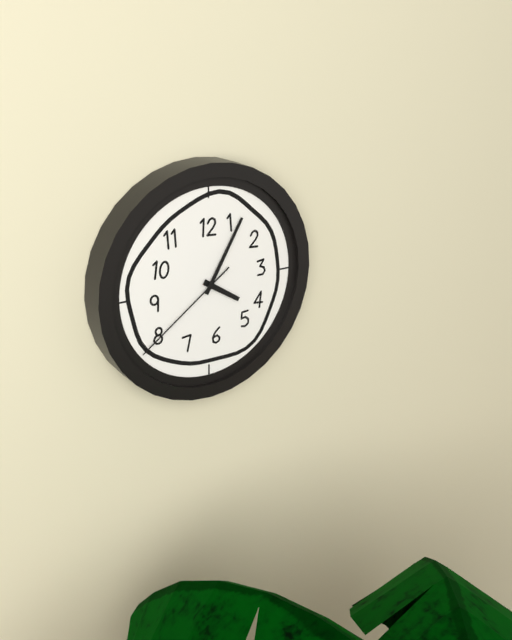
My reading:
4h05m39s
